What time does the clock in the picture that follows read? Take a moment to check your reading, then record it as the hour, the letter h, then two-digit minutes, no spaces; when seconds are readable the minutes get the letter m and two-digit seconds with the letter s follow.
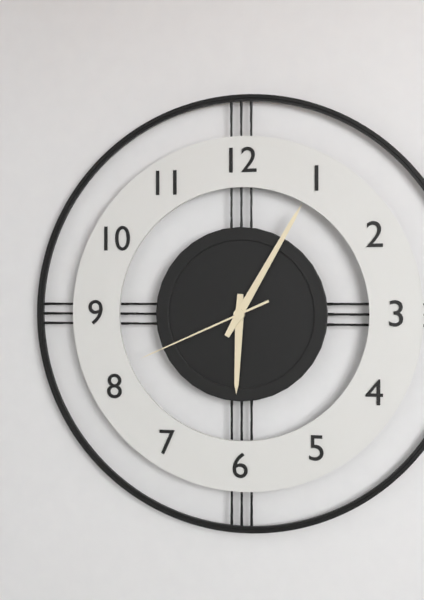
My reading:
6h05m41s
